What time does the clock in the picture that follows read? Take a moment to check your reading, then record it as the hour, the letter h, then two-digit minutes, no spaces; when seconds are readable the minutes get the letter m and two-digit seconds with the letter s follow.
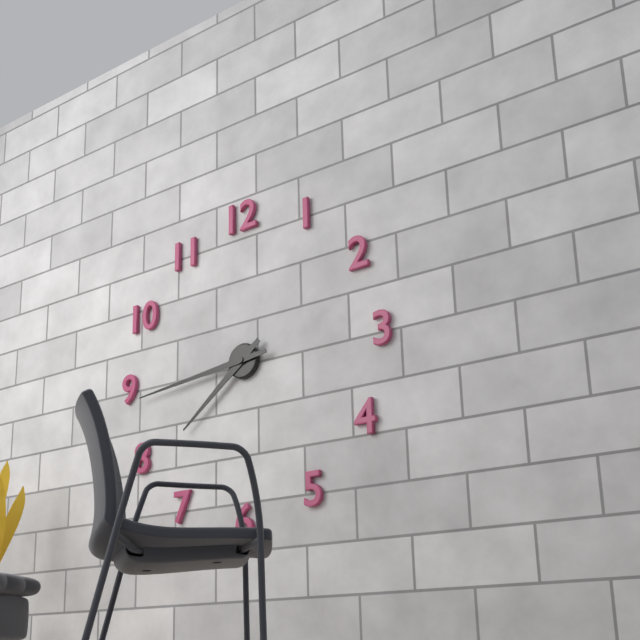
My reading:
7h44
